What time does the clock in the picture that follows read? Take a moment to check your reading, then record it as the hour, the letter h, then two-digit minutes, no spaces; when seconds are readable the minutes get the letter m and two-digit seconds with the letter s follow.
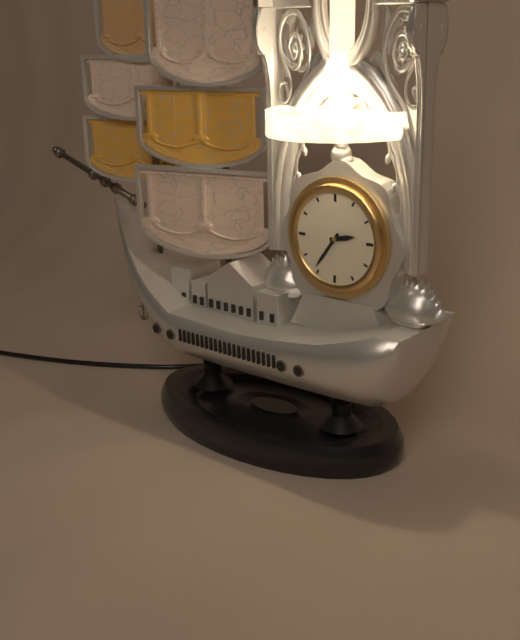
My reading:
2h36
